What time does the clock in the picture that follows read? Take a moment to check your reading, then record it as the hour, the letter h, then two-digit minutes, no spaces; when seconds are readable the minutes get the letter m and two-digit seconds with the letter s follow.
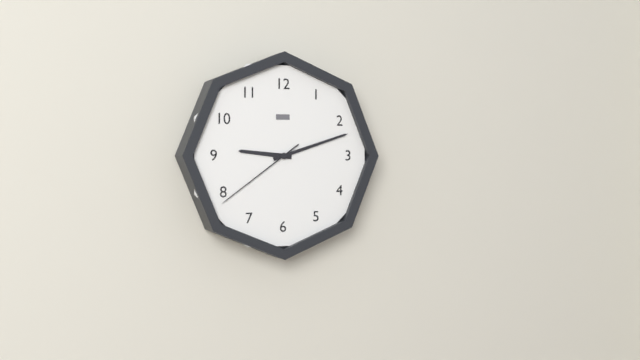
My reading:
9h12m39s
